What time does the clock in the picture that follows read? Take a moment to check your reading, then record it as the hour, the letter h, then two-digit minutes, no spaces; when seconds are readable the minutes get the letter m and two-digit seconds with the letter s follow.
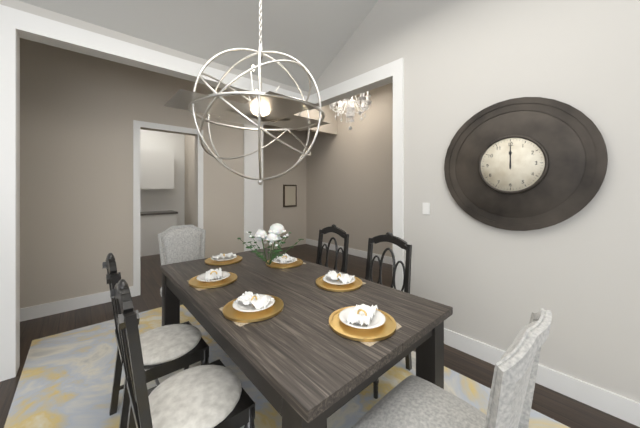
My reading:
12h00
